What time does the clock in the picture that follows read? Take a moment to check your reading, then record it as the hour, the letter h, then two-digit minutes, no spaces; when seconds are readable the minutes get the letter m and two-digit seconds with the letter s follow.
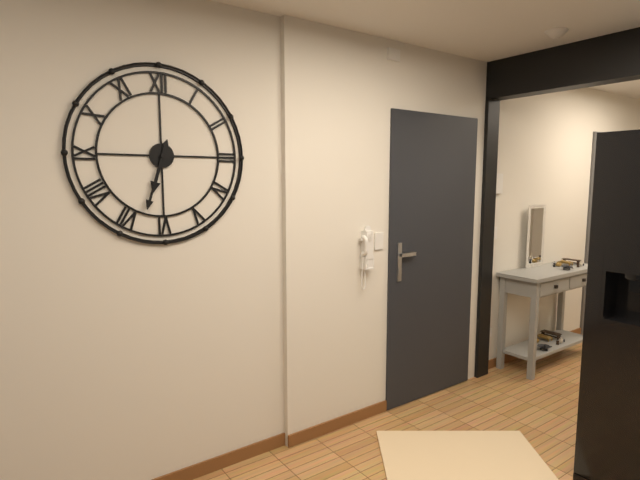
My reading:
6h33
